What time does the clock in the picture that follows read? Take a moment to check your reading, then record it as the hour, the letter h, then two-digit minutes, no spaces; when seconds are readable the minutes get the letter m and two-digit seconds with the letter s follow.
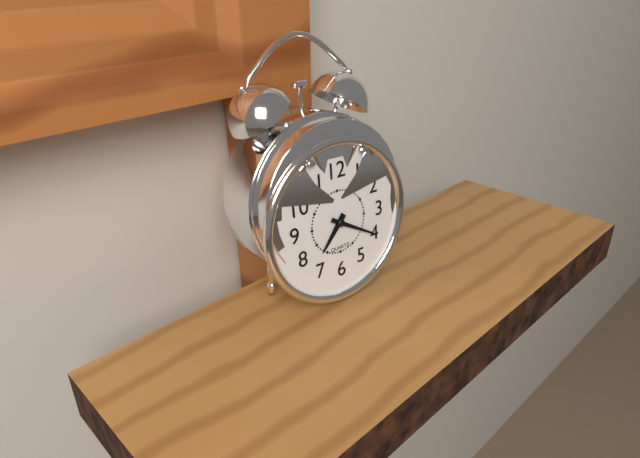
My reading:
7h20
